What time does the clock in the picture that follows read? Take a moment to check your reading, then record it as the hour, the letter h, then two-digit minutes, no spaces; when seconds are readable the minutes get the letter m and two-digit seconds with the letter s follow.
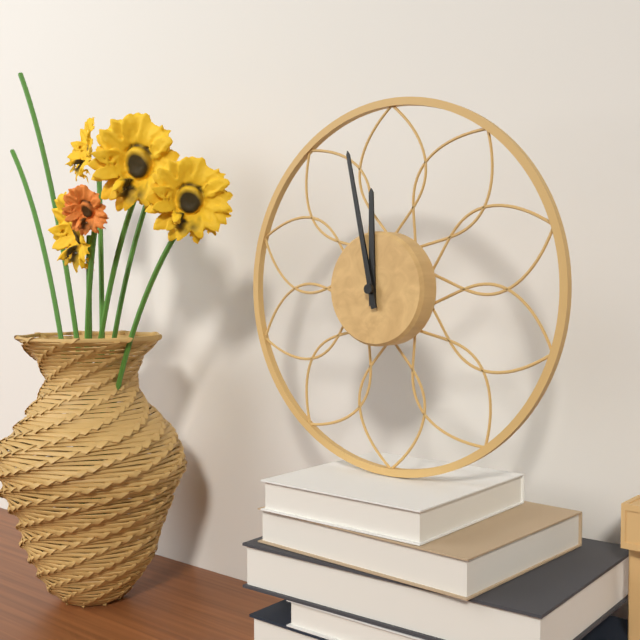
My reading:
11h58
